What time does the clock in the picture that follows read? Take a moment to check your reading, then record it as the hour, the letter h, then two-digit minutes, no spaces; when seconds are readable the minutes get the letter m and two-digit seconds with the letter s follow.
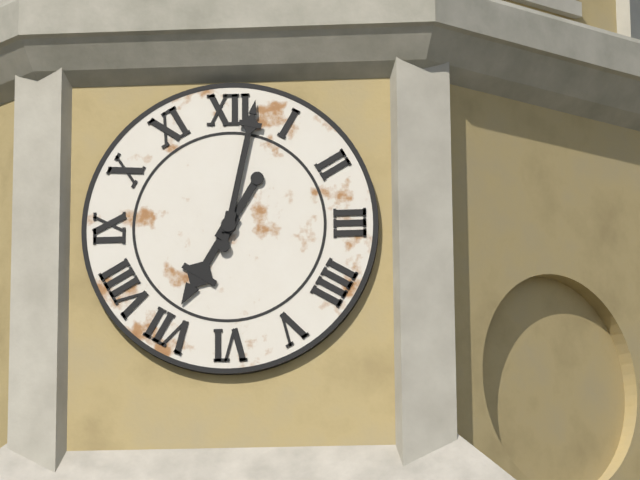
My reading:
7h02
